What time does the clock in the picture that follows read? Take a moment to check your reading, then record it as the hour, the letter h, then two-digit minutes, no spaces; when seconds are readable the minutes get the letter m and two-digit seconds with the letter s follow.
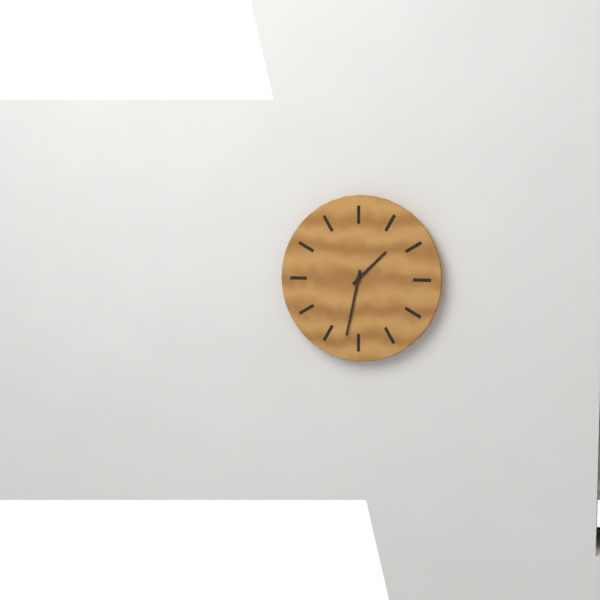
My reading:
1h32
